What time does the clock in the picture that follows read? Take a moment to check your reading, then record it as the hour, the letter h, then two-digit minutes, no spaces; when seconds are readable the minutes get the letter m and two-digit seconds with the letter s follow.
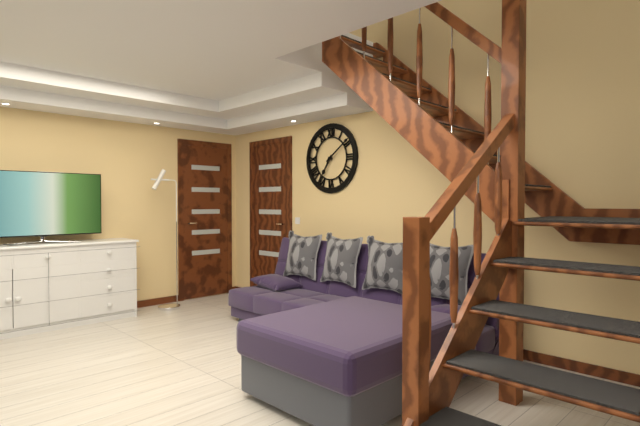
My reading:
7h09
